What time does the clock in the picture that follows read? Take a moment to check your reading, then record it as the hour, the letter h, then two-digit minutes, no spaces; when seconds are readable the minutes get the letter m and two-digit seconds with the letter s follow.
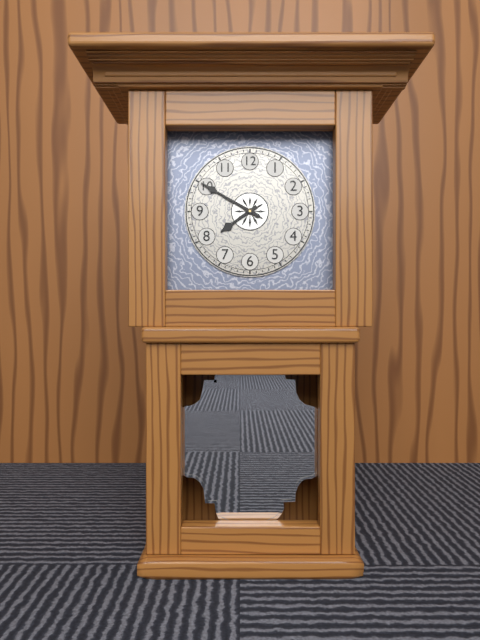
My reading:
7h50
